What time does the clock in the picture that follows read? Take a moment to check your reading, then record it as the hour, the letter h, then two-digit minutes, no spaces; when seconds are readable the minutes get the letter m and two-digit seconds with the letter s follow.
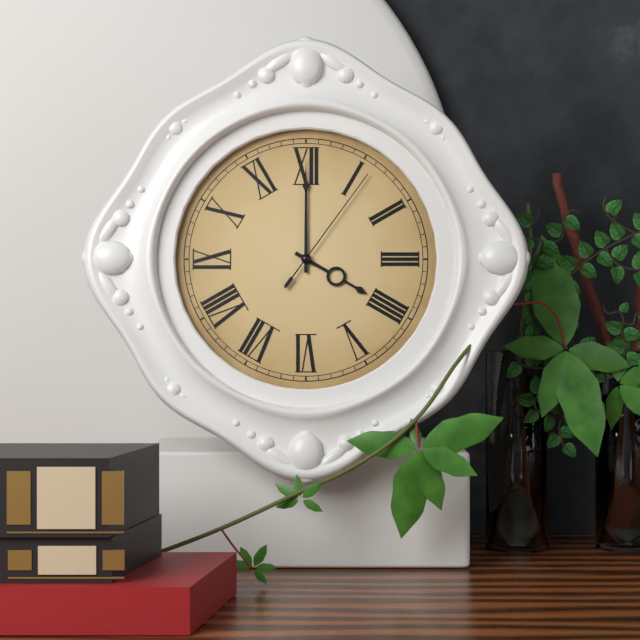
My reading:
4h00m06s
